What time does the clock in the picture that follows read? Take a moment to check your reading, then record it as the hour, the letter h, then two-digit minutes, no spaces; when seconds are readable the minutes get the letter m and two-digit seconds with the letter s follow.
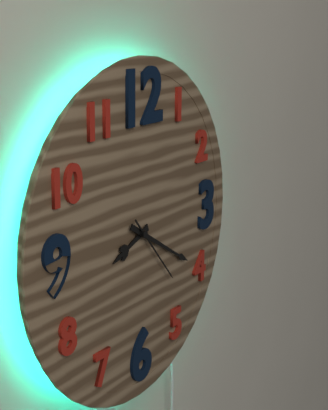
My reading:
8h20m23s
